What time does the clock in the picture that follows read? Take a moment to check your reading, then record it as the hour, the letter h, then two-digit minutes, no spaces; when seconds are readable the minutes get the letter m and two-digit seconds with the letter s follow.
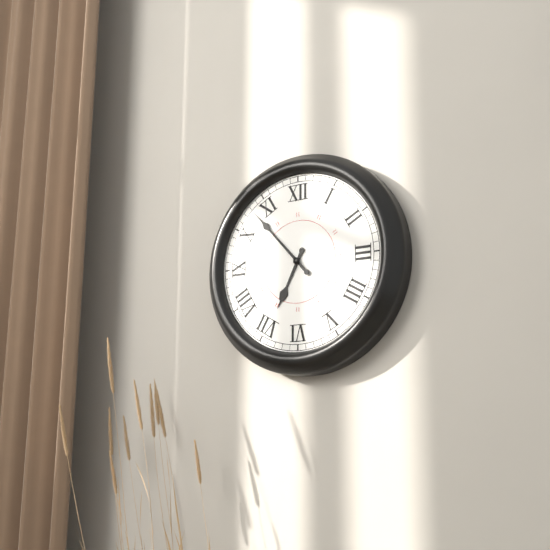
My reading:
6h53
